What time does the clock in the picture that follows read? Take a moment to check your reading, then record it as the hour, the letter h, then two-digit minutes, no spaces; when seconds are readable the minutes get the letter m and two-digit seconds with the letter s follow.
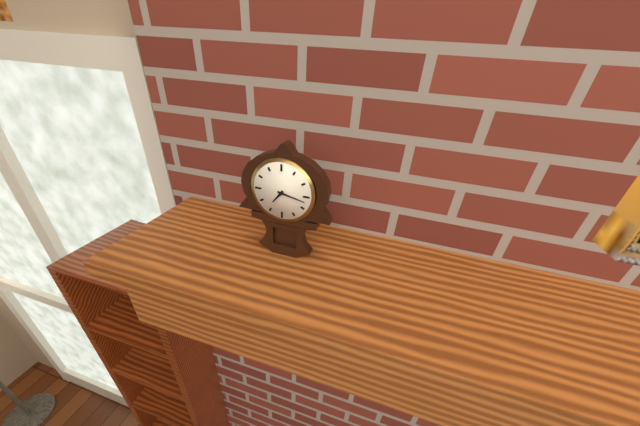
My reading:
7h17
